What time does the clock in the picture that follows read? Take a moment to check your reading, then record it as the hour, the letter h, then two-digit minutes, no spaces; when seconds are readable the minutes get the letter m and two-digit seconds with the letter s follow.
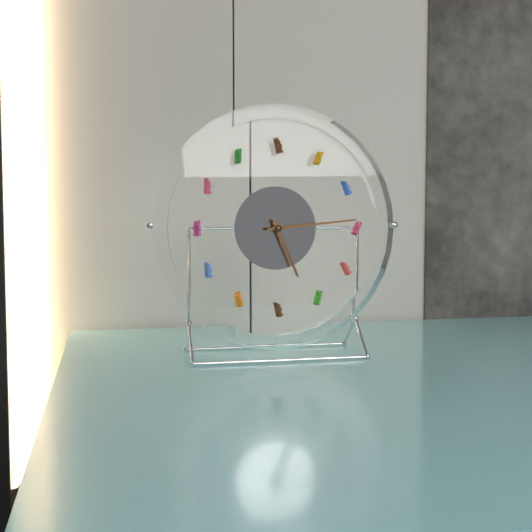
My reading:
5h14
